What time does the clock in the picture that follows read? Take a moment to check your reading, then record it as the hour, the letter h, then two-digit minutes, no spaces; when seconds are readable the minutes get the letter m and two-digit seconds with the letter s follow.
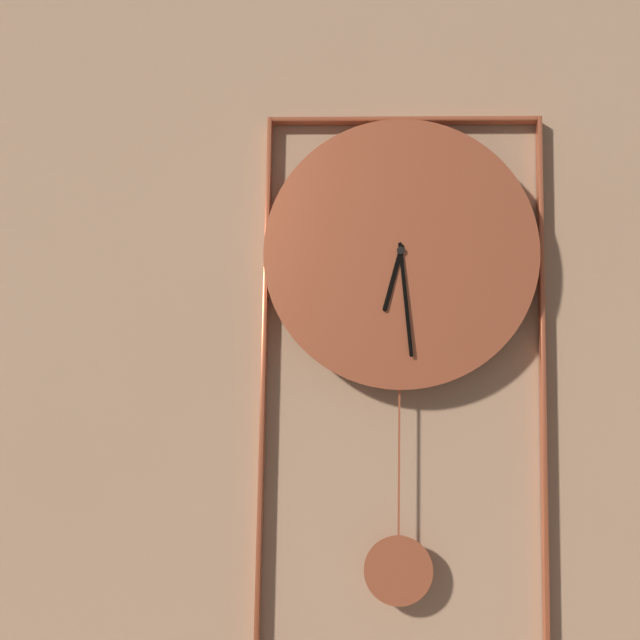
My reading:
6h29
